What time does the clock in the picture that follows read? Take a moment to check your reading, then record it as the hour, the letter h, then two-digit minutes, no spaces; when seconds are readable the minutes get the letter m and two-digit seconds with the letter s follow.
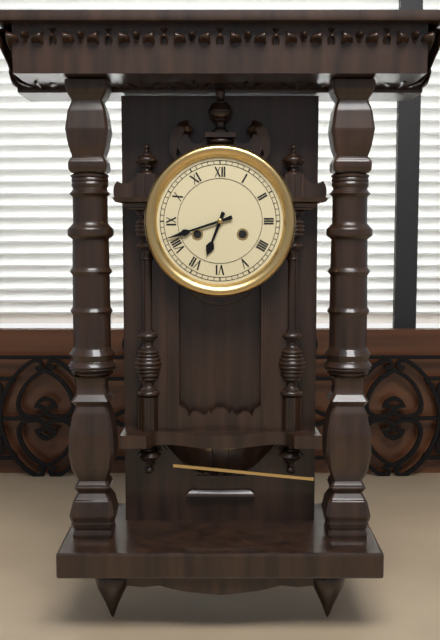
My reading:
6h42
